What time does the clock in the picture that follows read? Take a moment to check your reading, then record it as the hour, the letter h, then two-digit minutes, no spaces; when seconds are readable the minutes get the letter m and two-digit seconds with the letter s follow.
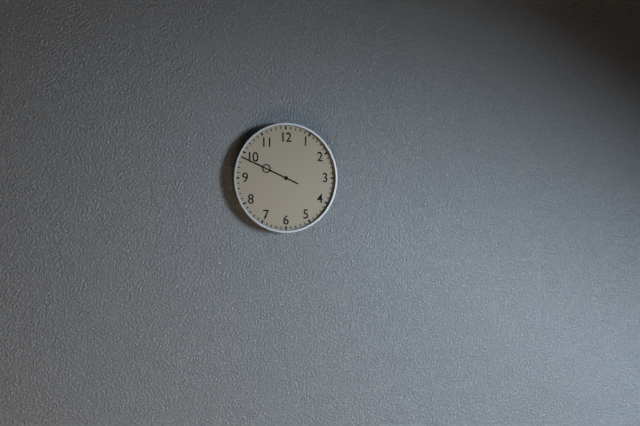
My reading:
9h49
